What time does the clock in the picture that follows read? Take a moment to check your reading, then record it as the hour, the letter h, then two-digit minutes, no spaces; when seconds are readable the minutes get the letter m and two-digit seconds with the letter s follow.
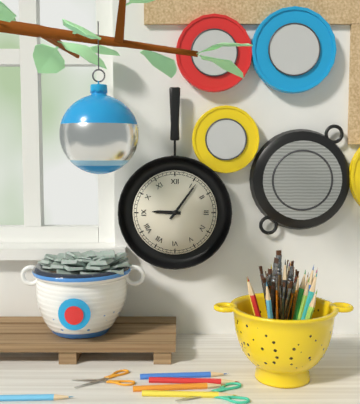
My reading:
9h06
